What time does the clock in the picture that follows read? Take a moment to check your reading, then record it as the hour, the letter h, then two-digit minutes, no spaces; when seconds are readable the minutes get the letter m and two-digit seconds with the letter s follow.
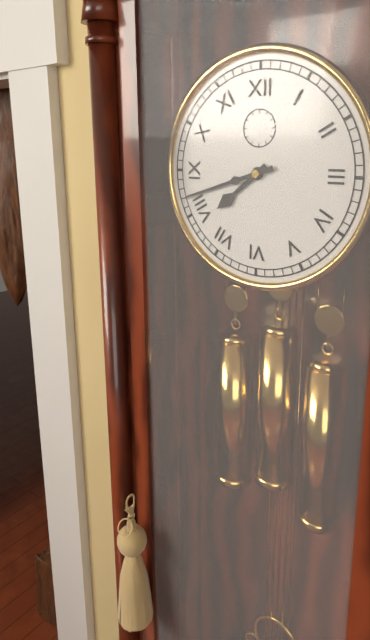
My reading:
7h42
